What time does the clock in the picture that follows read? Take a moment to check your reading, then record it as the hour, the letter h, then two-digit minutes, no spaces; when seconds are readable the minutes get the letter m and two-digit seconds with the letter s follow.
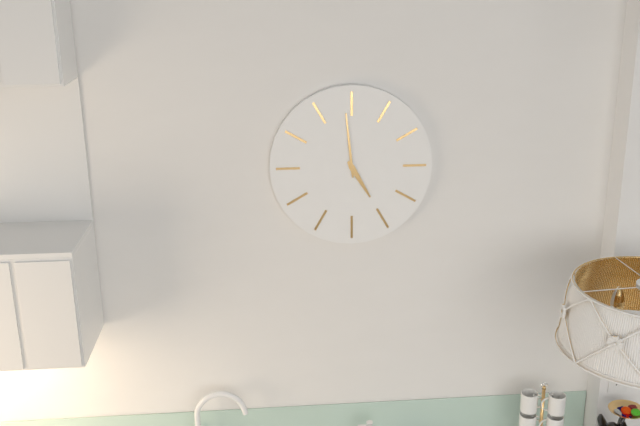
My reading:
4h59
